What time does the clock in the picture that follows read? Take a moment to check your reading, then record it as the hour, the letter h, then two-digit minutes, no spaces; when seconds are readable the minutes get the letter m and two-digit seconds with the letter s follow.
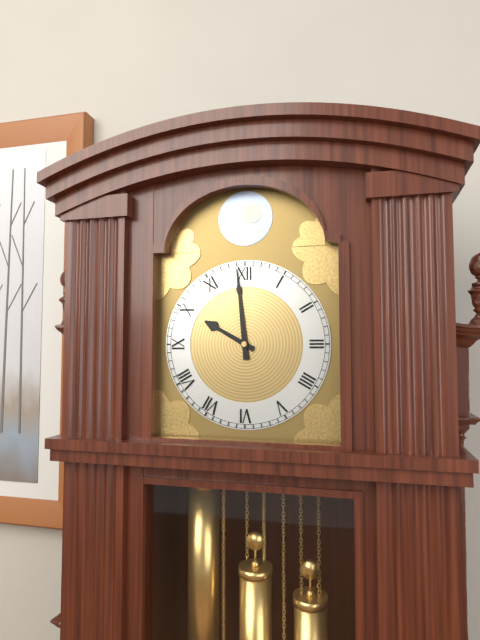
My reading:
9h59
